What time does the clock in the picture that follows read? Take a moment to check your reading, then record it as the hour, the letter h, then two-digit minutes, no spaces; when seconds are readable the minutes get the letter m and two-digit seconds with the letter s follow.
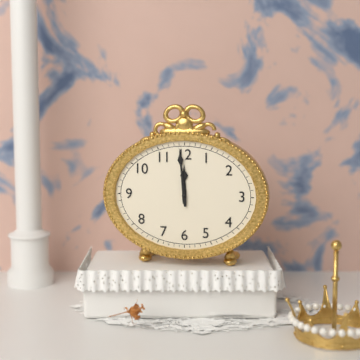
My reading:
11h59
